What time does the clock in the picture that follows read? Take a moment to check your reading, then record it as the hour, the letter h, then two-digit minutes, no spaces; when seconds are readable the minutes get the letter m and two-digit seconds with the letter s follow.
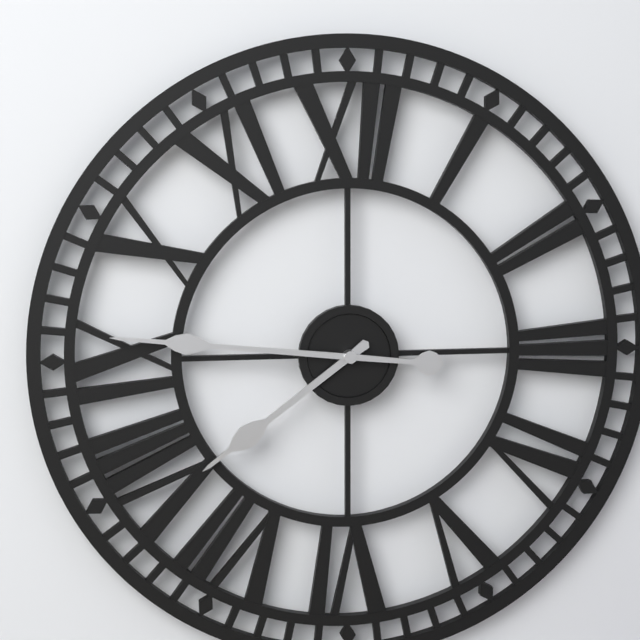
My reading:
7h46
